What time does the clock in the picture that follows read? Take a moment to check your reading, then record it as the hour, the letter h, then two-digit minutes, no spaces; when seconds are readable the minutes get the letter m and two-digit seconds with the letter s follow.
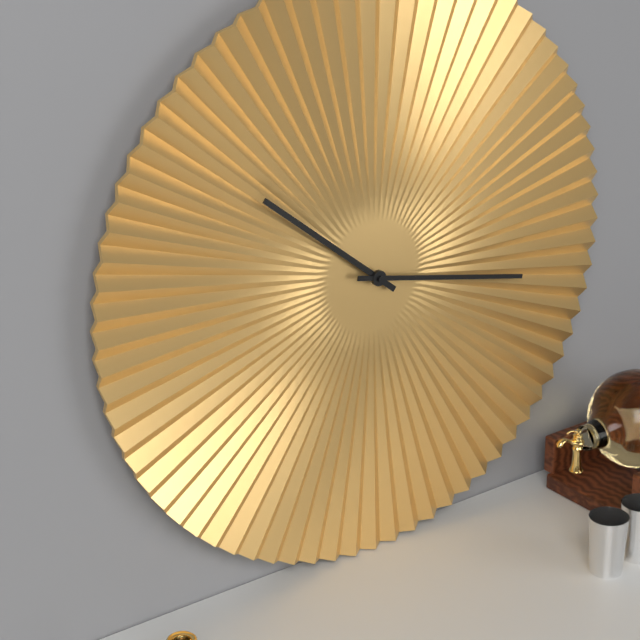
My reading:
10h17
